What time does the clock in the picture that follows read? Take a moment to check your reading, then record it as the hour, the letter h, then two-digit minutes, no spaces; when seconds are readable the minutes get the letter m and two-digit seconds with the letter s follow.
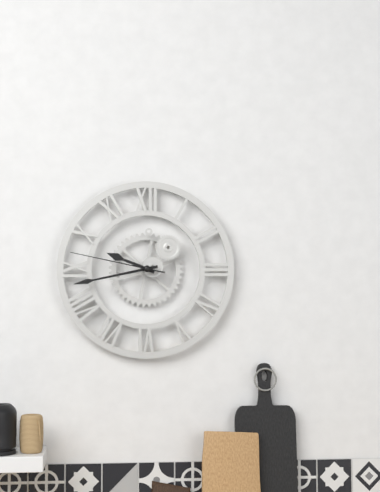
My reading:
9h43m47s
